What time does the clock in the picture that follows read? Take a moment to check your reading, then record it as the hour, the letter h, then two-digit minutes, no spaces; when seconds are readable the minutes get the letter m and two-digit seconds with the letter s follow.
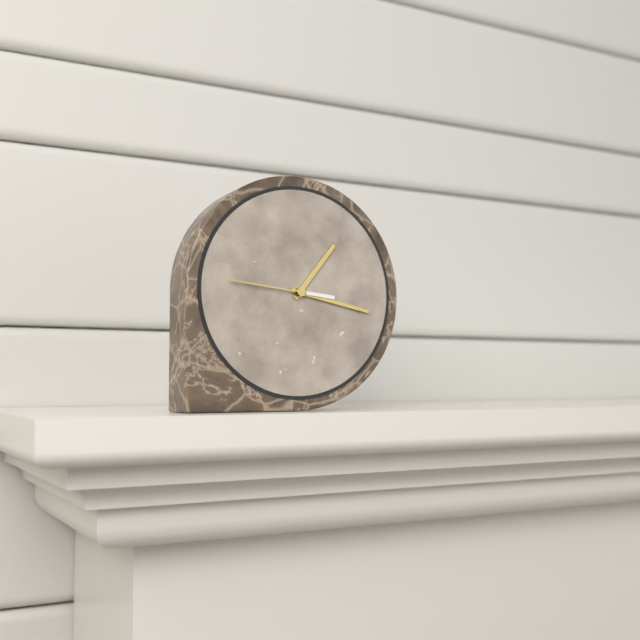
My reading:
1h17m46s
